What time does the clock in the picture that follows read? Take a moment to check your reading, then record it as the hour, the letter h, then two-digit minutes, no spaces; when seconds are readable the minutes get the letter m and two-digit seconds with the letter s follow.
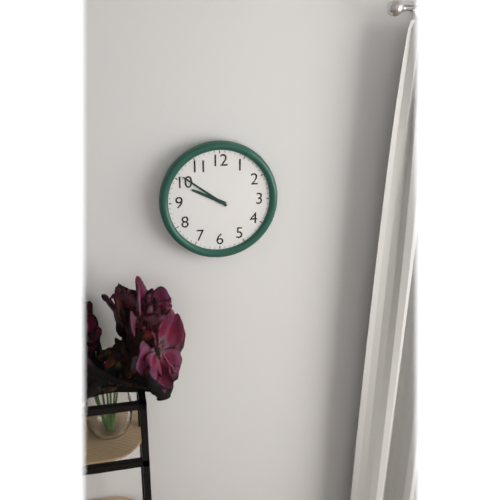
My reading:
9h51
